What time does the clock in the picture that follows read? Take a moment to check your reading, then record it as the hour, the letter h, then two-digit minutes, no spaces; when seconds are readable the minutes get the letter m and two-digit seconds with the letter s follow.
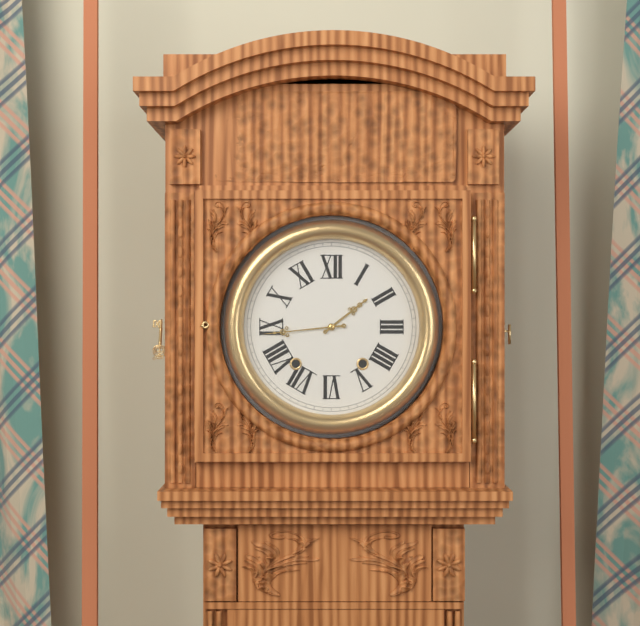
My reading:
1h44
